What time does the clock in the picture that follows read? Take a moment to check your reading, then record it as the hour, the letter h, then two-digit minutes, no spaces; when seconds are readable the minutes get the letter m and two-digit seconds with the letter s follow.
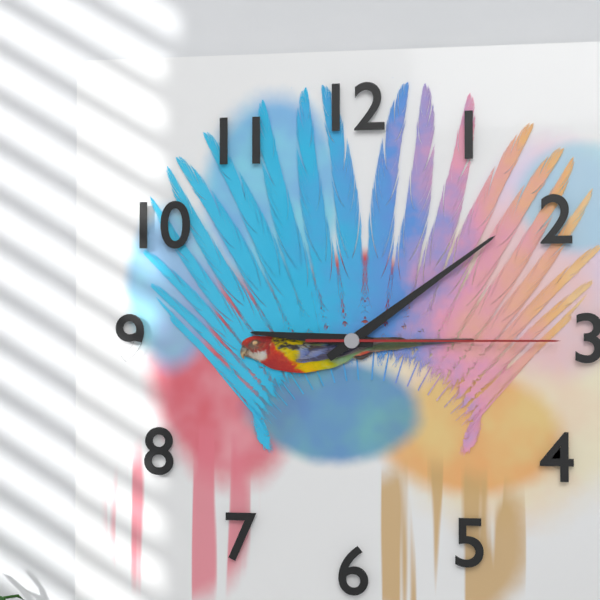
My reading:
9h09m15s
